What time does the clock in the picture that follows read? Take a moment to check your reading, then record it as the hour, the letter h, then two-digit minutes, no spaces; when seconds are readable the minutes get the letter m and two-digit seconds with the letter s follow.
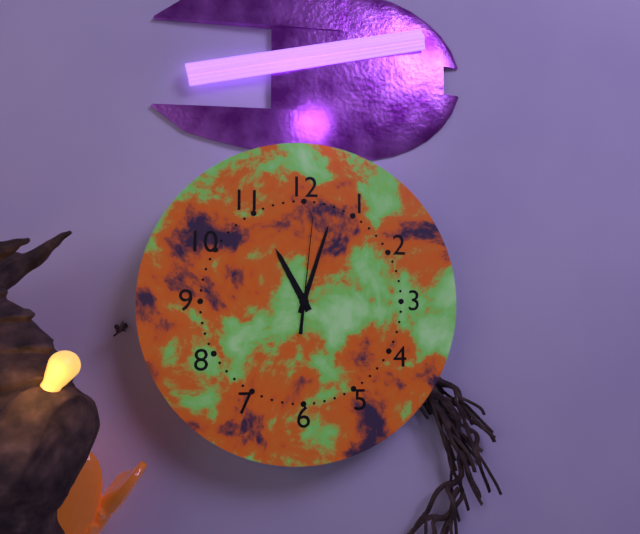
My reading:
11h03m01s
